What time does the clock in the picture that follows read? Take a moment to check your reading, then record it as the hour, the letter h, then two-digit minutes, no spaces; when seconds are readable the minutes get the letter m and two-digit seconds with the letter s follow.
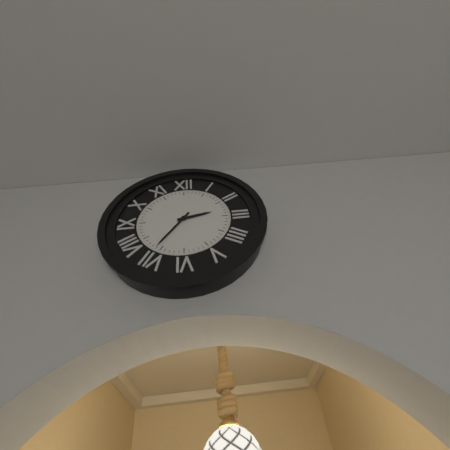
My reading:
2h36
